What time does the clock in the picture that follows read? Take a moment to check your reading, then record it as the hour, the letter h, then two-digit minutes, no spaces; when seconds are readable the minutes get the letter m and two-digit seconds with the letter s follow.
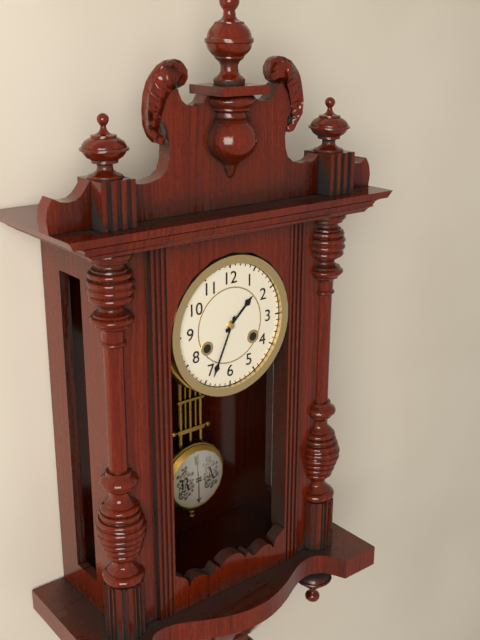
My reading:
1h34
